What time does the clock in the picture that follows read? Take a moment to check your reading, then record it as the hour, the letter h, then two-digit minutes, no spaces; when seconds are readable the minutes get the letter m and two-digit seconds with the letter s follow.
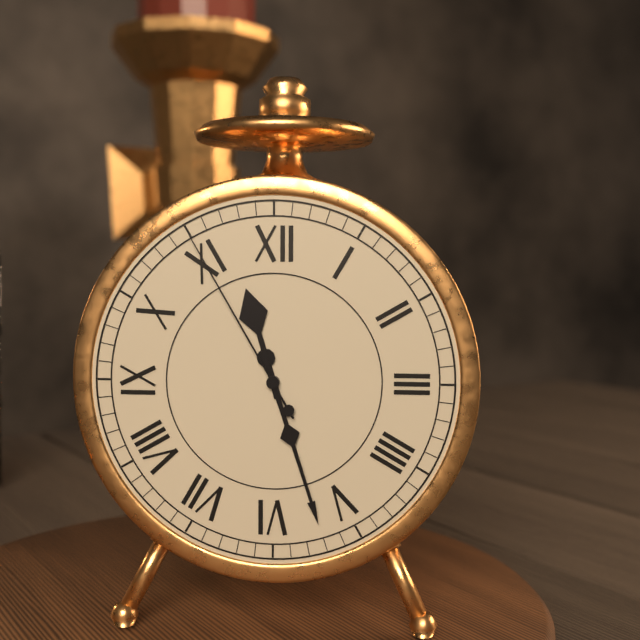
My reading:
11h27m55s
